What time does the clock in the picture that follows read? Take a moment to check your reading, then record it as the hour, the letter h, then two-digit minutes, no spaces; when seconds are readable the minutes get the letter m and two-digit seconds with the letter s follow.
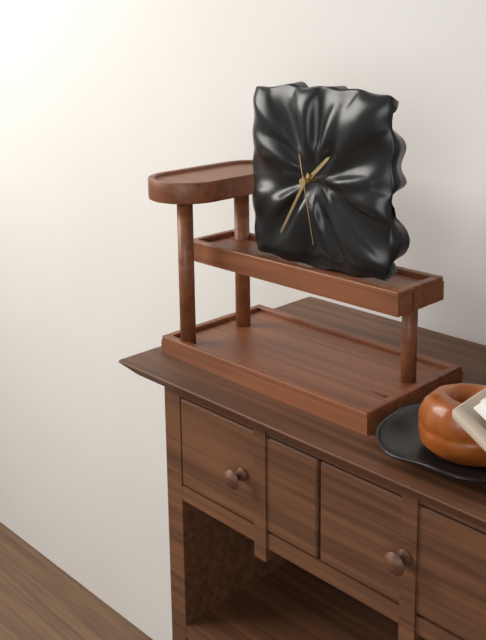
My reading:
1h35m28s
